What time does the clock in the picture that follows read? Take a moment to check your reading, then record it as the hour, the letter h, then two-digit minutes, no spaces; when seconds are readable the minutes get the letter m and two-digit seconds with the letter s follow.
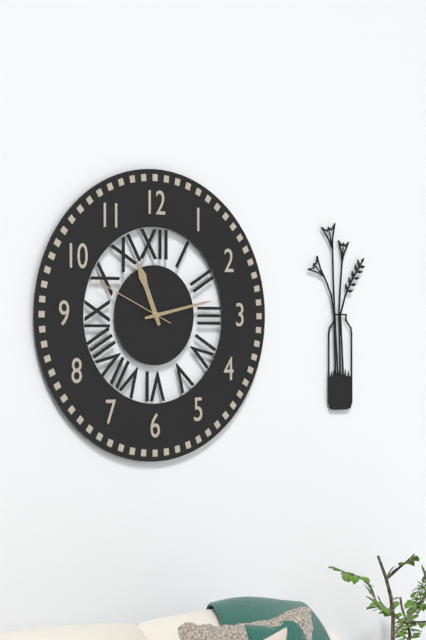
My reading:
11h13m49s
